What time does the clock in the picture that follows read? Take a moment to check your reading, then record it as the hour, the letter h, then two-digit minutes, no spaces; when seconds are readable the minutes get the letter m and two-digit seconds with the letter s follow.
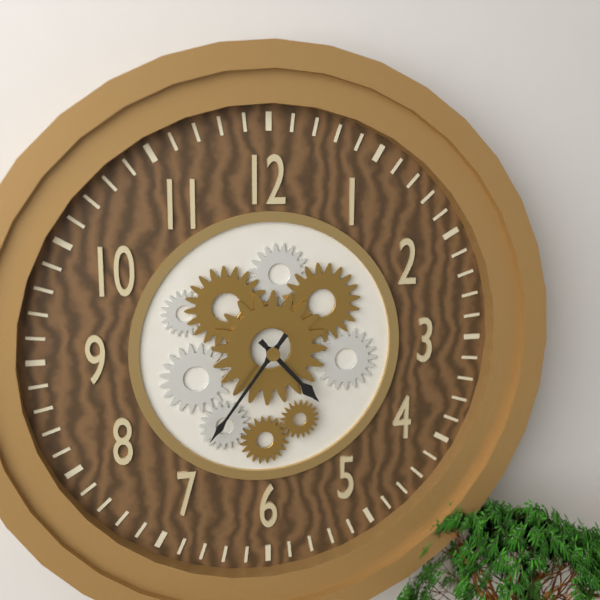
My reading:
4h36
